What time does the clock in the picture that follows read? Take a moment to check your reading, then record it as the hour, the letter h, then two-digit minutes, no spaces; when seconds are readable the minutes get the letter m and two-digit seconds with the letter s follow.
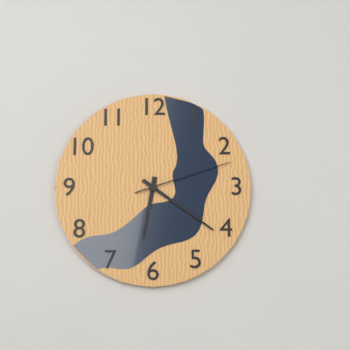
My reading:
6h21m12s
